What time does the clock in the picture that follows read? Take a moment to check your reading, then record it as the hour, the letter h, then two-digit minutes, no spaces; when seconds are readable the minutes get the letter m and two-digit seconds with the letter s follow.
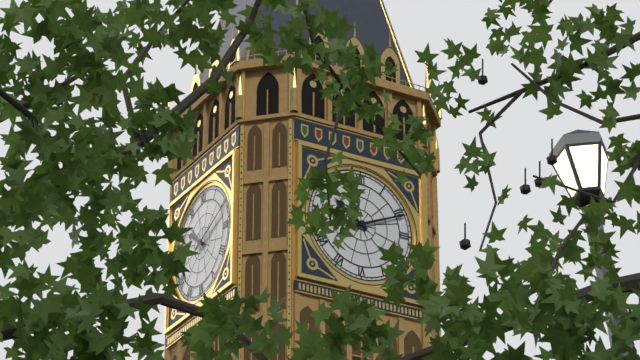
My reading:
10h11
